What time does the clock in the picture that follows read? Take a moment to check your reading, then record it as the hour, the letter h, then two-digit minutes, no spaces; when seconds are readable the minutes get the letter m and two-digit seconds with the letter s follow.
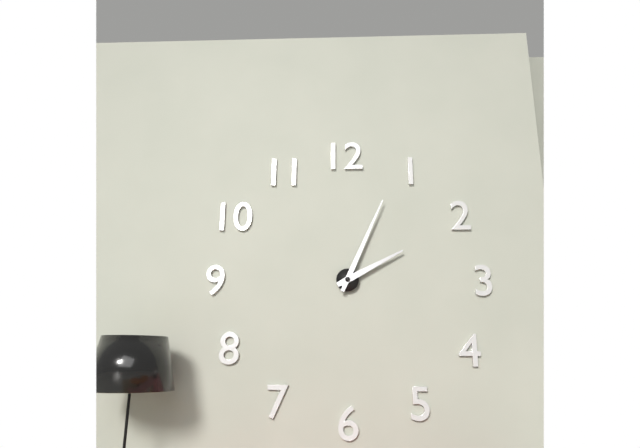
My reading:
2h04
